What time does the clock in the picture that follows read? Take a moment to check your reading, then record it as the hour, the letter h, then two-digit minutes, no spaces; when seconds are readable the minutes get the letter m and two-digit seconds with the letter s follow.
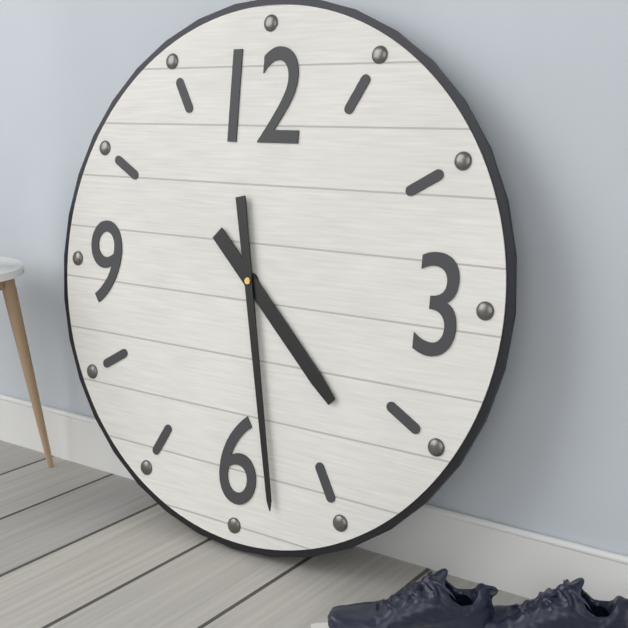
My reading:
4h28
